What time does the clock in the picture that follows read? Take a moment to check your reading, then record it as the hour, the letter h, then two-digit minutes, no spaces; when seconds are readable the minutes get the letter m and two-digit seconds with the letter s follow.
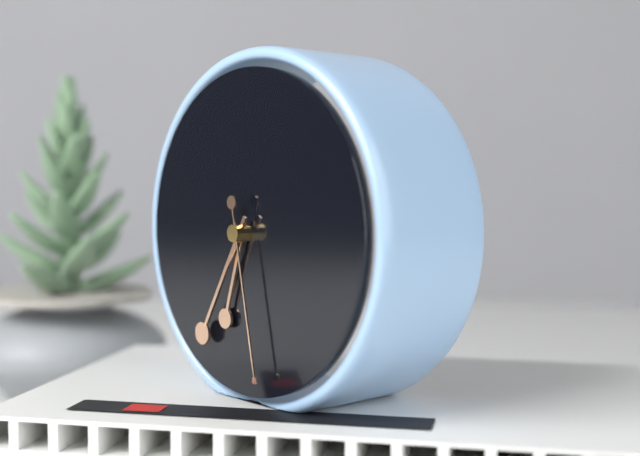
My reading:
6h35m28s
